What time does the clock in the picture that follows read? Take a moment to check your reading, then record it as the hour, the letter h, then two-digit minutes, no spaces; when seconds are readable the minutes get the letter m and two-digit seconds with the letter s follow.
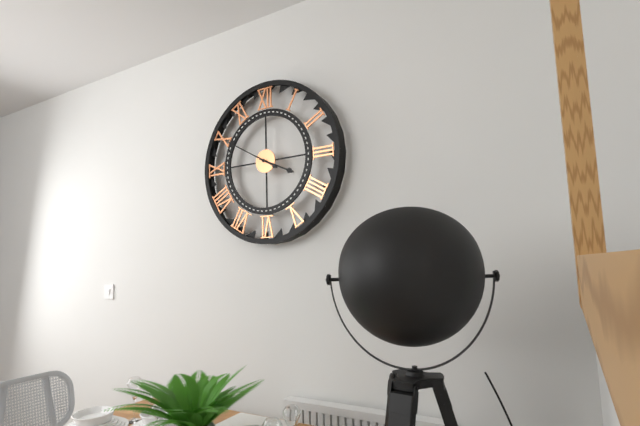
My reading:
3h50
